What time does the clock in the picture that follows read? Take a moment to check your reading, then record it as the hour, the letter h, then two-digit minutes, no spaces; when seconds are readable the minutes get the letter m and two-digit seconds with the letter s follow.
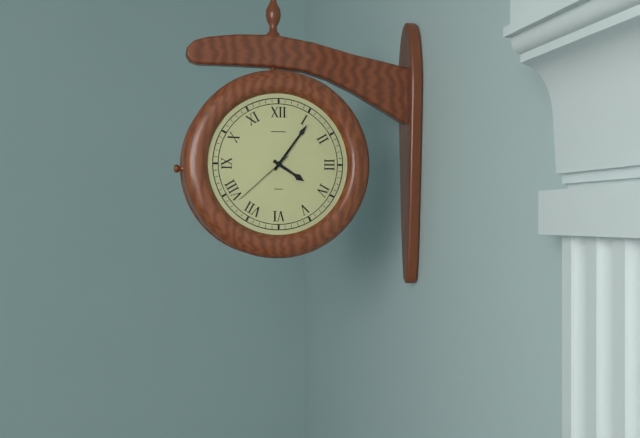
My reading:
4h06m38s
